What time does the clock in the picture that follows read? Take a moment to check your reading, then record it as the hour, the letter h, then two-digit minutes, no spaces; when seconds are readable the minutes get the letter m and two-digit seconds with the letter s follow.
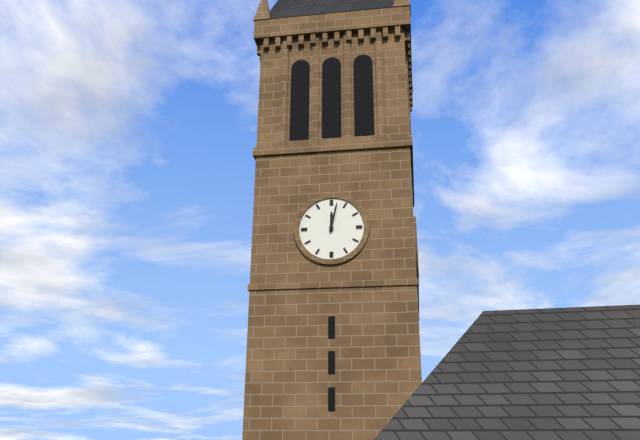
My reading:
12h02
